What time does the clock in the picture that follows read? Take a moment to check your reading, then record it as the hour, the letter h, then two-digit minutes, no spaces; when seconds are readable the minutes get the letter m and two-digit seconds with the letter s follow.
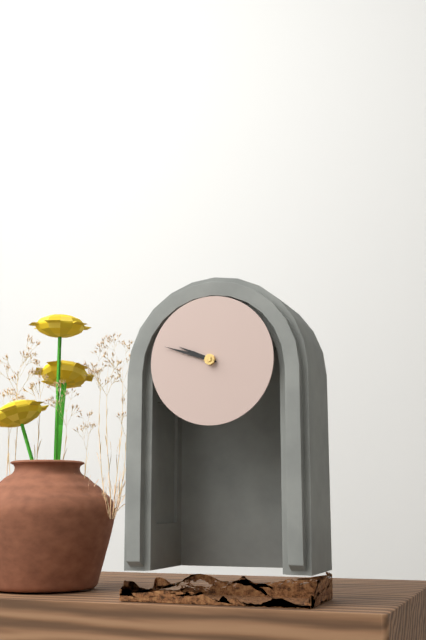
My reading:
9h48
